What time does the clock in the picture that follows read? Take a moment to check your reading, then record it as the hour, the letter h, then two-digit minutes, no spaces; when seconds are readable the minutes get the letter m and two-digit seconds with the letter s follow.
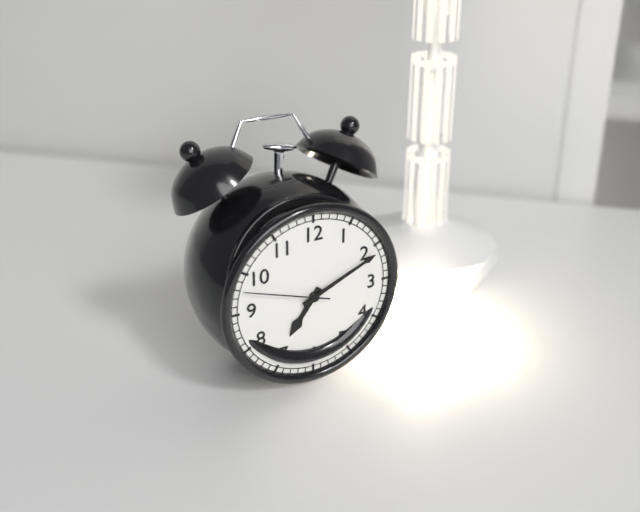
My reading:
7h11m48s
